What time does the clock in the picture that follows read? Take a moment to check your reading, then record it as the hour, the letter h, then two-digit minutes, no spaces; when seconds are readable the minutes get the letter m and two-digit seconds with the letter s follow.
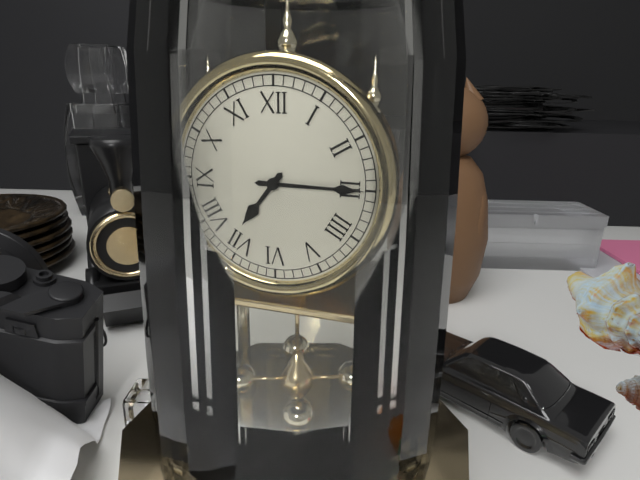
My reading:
7h15
